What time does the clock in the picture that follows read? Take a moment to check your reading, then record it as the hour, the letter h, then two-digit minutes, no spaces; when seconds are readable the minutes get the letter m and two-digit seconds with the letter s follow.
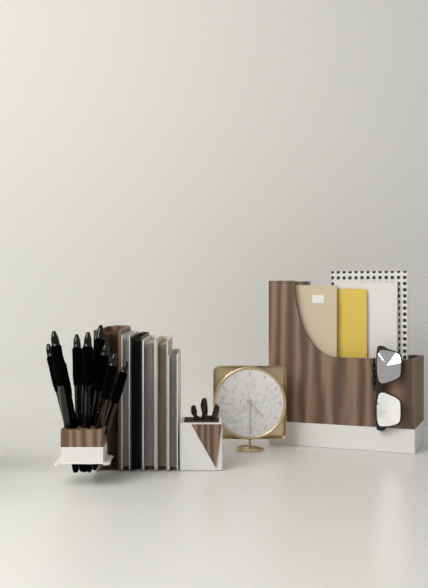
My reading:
4h30
